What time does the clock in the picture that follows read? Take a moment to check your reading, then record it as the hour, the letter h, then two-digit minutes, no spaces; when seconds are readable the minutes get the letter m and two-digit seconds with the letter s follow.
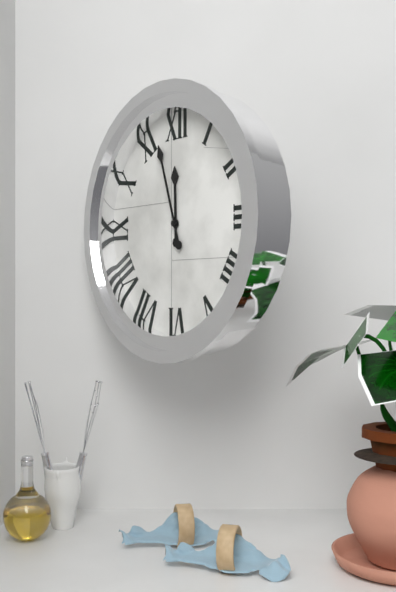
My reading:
11h57
